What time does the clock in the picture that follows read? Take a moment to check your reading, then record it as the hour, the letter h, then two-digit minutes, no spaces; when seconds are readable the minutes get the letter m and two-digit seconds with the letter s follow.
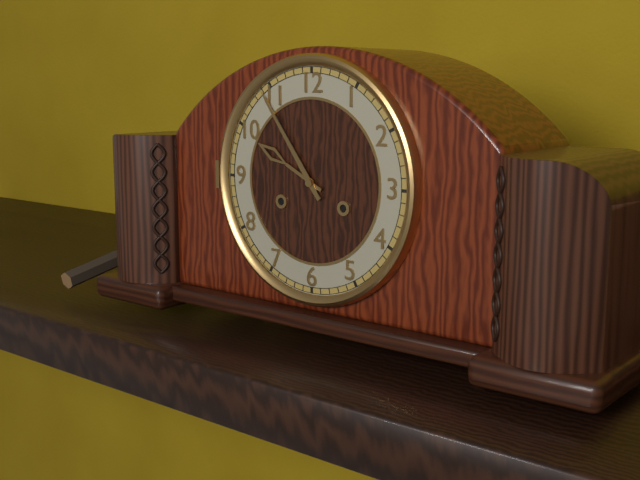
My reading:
9h54
